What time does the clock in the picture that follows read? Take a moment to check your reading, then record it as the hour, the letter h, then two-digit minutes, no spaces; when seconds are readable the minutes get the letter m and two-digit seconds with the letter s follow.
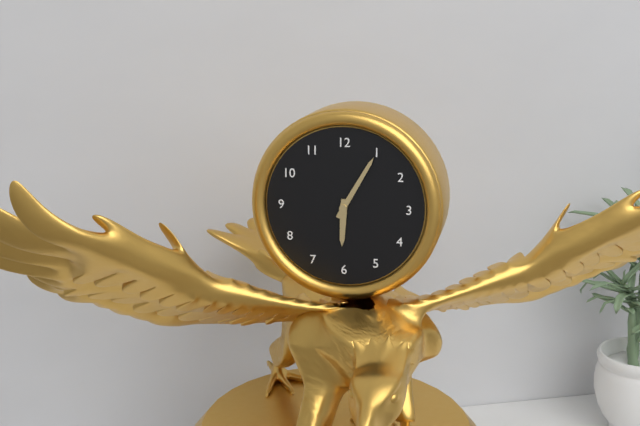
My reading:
6h05
